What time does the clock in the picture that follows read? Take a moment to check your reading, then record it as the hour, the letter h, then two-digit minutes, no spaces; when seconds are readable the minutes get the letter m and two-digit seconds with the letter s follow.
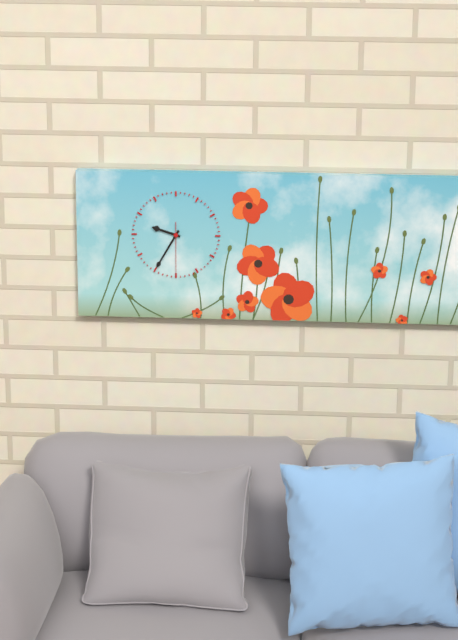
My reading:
9h35m30s
